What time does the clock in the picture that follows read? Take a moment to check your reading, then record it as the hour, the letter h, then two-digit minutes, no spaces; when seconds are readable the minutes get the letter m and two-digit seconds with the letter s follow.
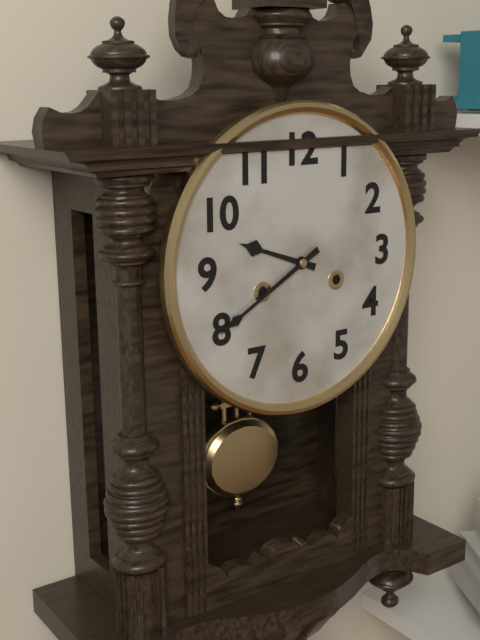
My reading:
9h40
